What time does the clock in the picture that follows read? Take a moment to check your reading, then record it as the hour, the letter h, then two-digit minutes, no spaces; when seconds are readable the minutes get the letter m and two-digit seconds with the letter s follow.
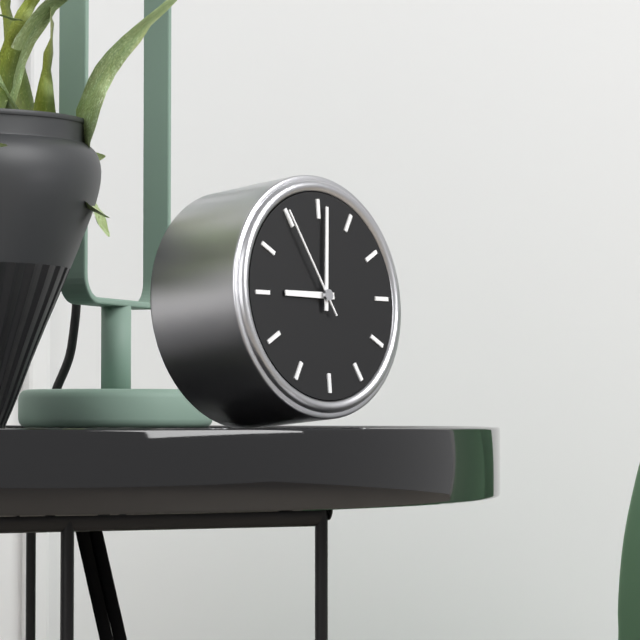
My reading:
9h01m55s
